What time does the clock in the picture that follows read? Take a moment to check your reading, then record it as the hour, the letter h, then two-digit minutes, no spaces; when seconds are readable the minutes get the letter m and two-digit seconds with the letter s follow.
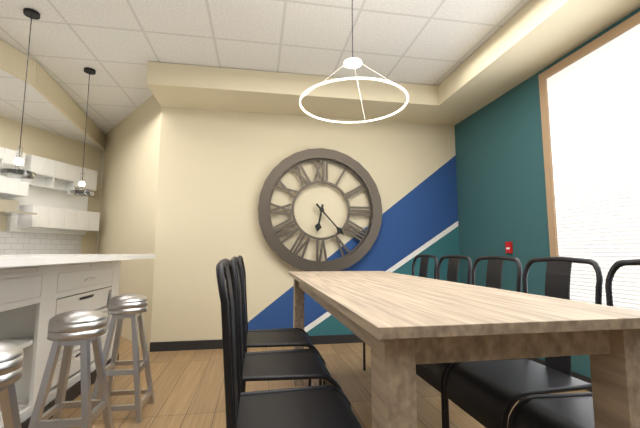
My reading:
6h23
